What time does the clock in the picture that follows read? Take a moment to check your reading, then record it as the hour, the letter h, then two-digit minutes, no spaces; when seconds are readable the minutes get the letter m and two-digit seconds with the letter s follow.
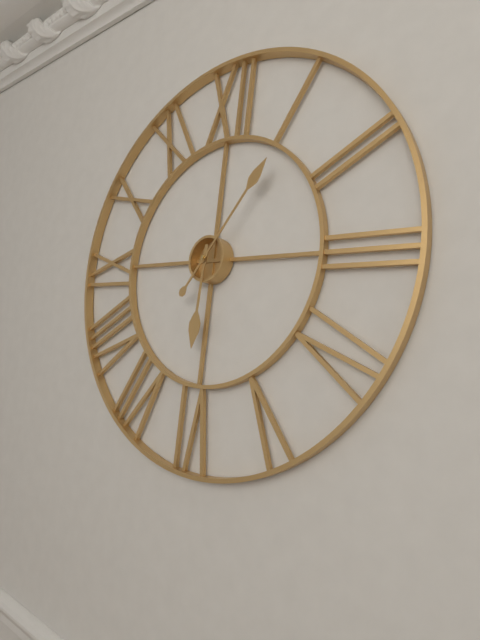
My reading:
6h06
